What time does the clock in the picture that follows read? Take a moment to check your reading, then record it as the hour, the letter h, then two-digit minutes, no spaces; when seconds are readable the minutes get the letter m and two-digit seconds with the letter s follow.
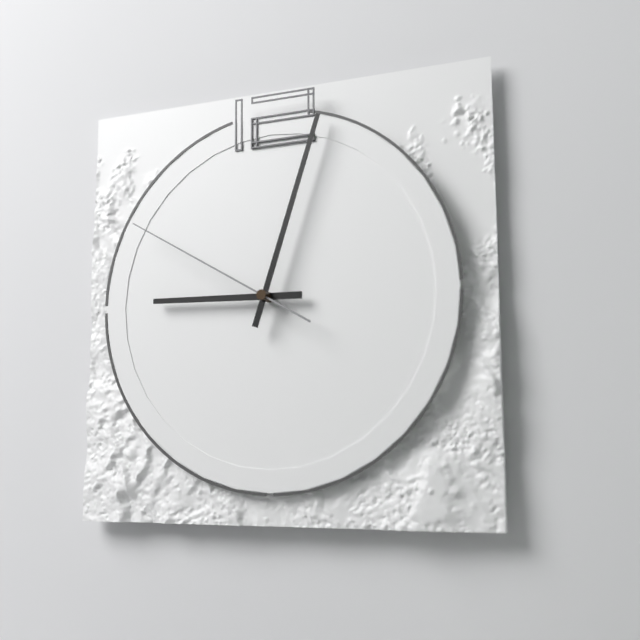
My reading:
9h03m50s
